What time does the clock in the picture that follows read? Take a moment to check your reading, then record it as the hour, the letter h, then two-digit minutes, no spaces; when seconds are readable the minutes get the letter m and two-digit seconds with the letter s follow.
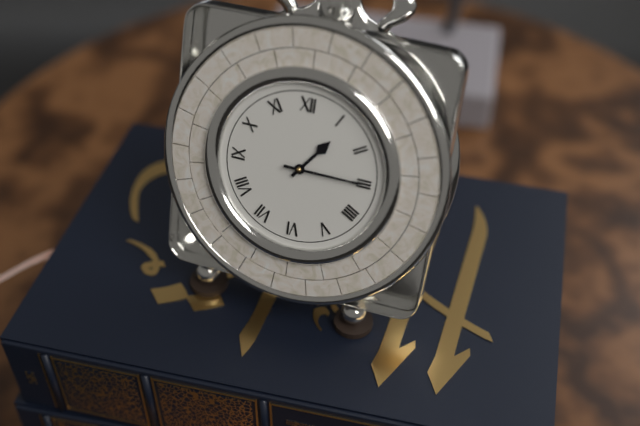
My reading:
1h15
